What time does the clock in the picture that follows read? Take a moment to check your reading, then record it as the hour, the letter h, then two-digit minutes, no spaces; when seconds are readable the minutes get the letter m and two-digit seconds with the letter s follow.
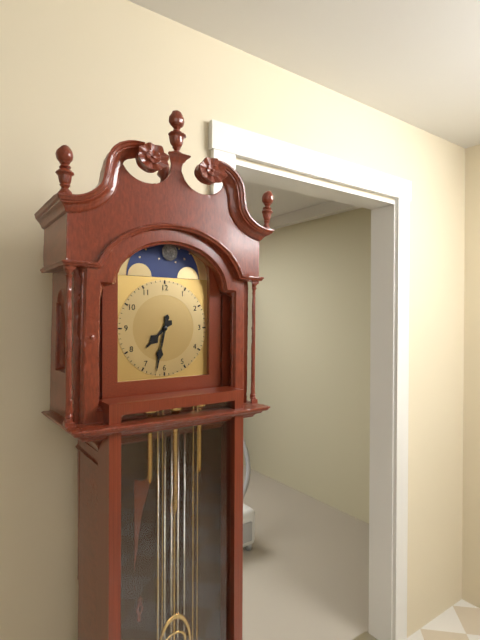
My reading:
7h32
